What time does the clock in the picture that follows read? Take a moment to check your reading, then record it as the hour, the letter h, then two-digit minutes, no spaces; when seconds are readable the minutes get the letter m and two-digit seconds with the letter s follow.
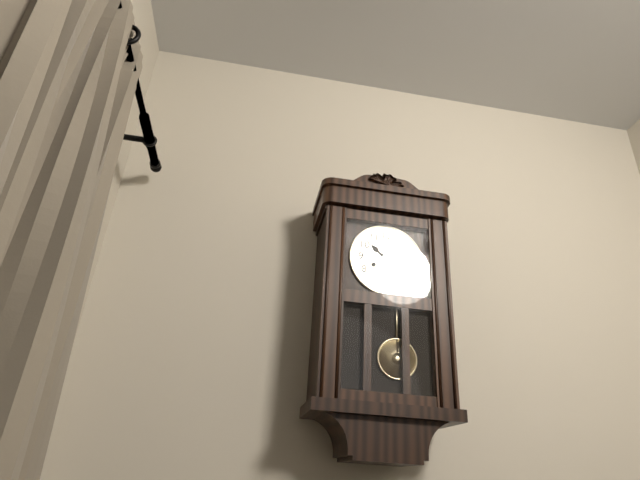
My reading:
10h22
